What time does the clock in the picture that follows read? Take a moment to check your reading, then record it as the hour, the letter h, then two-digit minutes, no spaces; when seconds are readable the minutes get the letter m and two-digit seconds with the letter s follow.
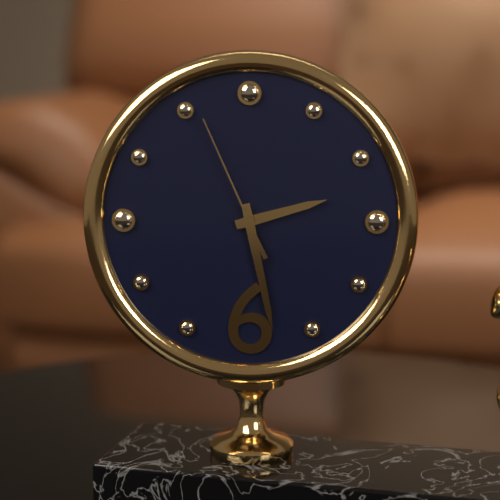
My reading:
2h28m56s
